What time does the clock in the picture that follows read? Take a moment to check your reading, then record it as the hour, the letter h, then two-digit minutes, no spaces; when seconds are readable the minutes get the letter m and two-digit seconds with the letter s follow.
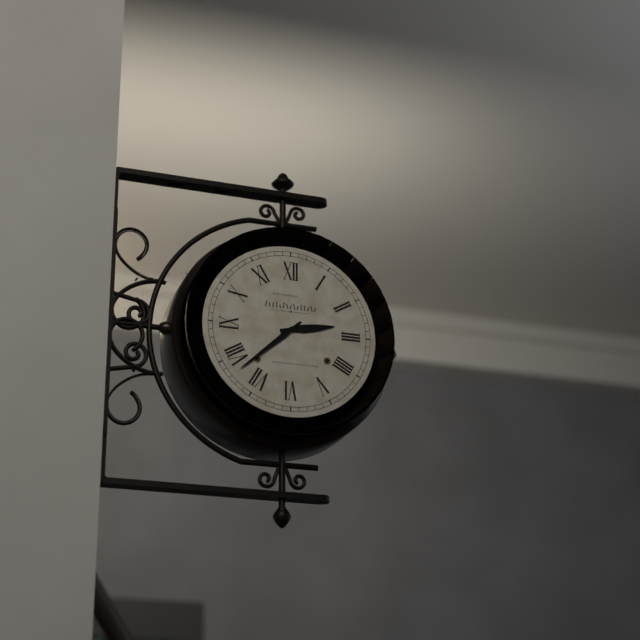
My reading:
2h38
